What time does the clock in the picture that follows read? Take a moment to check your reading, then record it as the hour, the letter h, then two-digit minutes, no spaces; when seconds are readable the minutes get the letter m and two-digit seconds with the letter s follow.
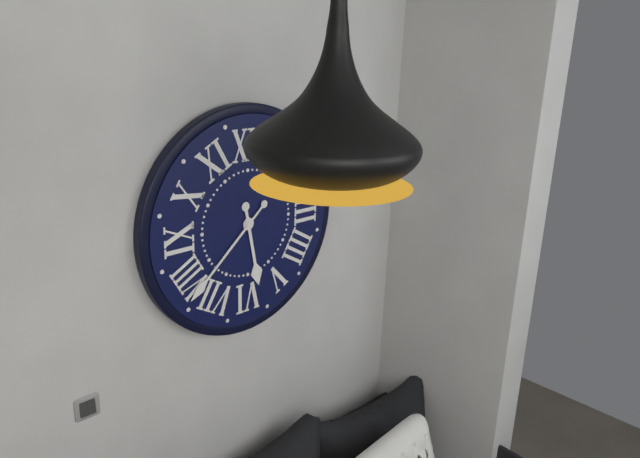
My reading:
5h38
